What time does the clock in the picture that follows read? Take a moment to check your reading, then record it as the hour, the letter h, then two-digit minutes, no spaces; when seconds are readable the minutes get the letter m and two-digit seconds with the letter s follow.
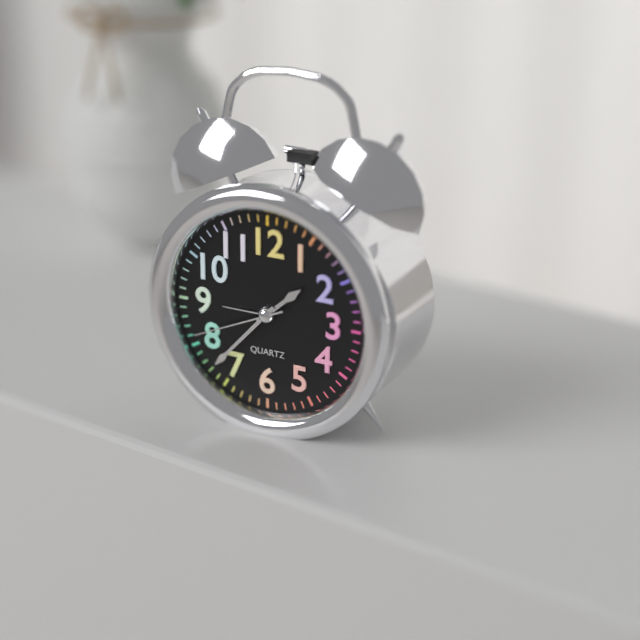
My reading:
1h37m41s
